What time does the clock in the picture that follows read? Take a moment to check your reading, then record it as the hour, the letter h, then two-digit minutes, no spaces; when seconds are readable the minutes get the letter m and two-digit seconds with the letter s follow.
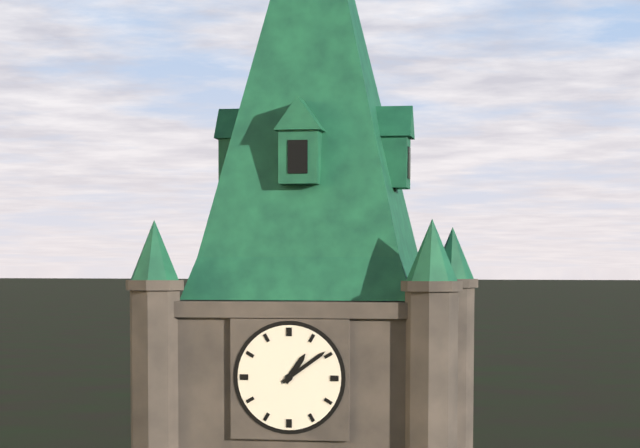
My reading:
1h09
